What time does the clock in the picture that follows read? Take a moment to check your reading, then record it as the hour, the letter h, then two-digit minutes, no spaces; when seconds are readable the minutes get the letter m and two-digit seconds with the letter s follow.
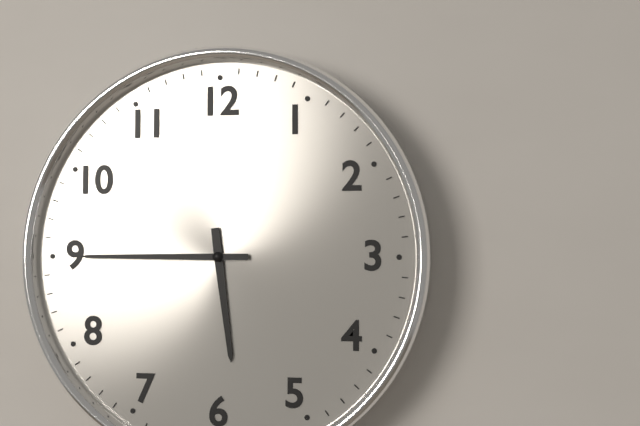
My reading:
5h45
